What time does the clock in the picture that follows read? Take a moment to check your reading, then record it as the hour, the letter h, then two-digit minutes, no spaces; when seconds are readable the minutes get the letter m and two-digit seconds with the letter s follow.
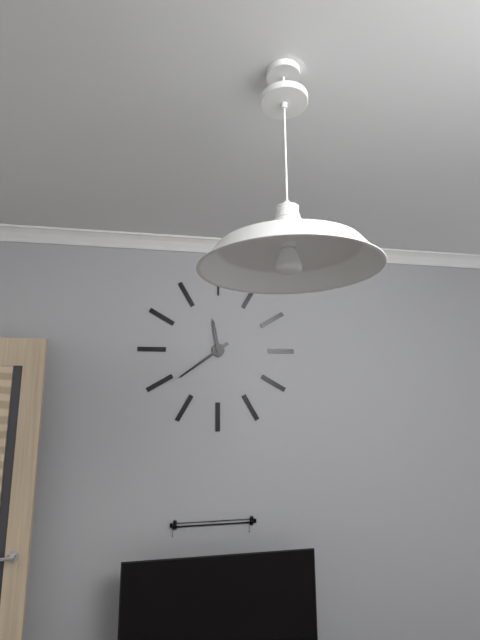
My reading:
11h39
